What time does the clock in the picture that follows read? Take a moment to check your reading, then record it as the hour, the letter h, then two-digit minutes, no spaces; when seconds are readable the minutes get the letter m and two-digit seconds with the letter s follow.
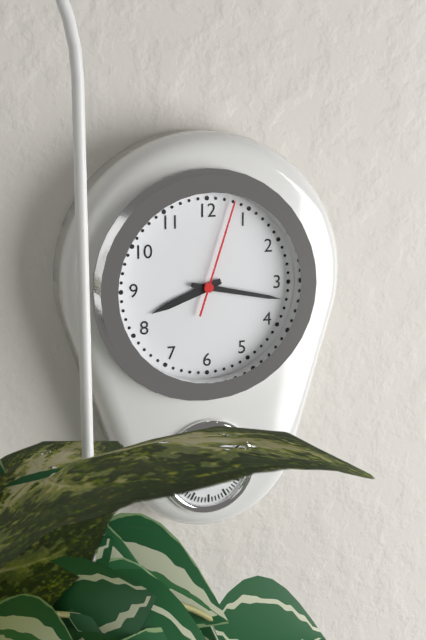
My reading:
8h17m03s
